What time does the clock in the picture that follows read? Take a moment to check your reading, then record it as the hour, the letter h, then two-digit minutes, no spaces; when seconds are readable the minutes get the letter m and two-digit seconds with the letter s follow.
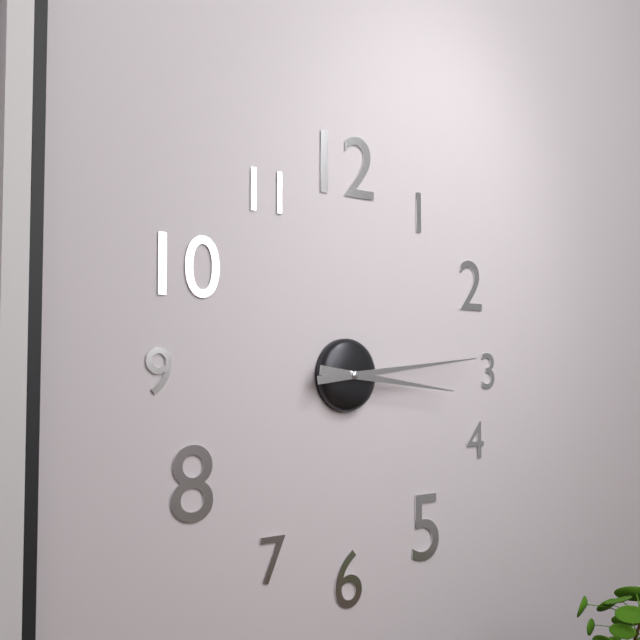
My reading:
3h14
